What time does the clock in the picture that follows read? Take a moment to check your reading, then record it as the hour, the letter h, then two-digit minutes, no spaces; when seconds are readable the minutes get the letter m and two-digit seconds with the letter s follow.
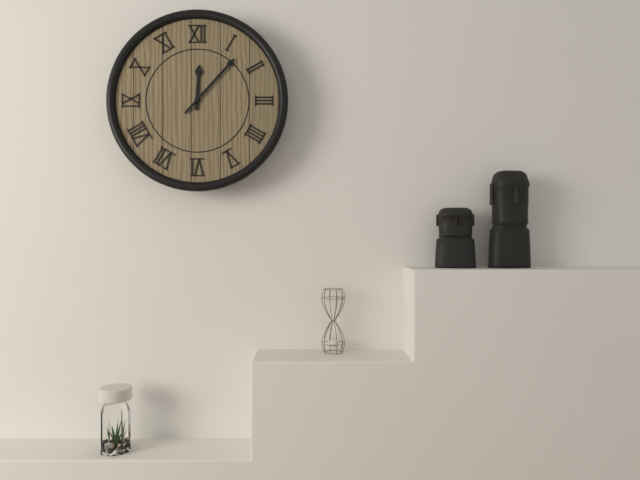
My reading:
12h07
